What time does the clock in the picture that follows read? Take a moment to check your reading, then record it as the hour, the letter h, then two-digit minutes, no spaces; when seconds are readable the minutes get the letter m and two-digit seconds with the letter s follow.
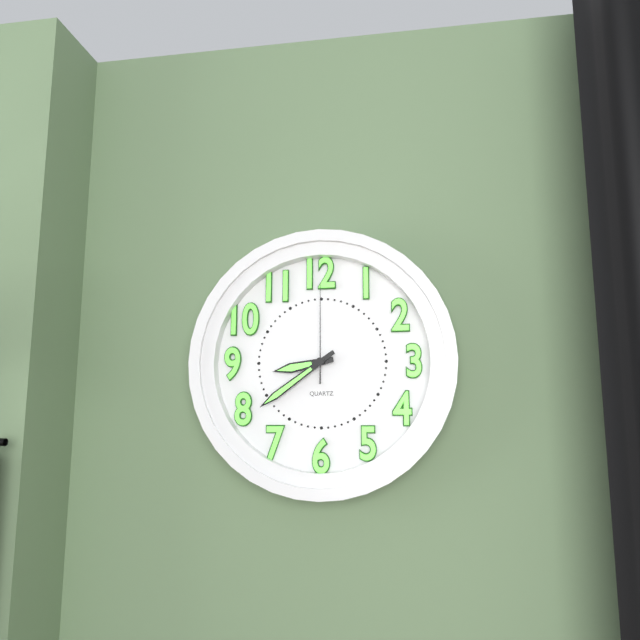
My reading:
8h39m00s
